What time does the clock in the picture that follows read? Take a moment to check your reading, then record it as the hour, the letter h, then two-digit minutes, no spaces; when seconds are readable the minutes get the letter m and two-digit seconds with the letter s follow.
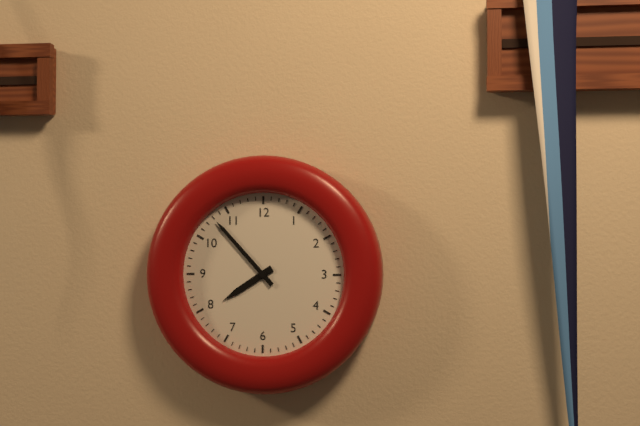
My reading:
7h53
